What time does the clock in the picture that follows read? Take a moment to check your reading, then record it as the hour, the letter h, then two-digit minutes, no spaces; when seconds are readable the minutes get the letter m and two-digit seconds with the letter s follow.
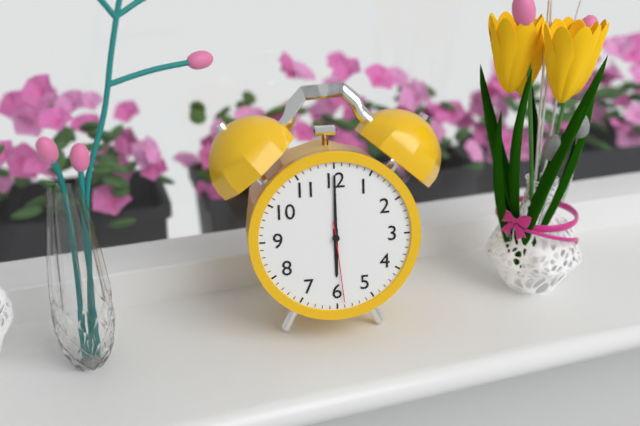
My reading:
6h00m29s
